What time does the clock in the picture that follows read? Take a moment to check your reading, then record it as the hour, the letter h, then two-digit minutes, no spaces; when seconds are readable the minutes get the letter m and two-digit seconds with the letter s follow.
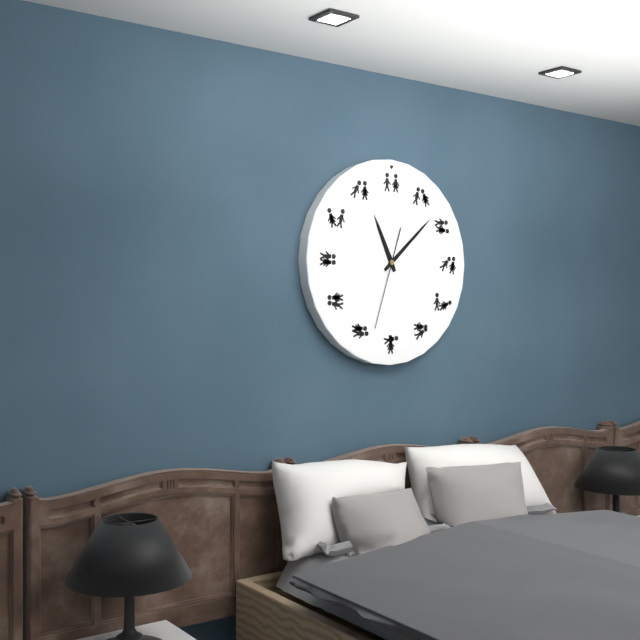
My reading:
11h08m33s
